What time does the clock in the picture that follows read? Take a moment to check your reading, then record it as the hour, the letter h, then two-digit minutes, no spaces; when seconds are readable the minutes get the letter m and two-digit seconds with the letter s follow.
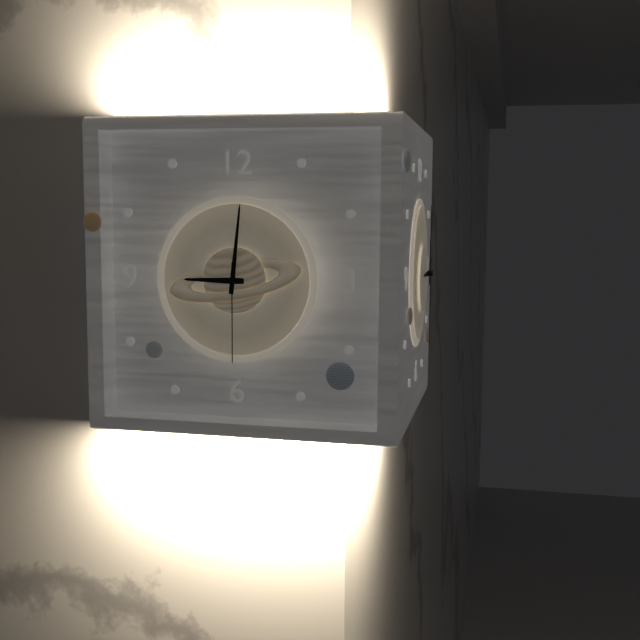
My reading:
9h01m30s
